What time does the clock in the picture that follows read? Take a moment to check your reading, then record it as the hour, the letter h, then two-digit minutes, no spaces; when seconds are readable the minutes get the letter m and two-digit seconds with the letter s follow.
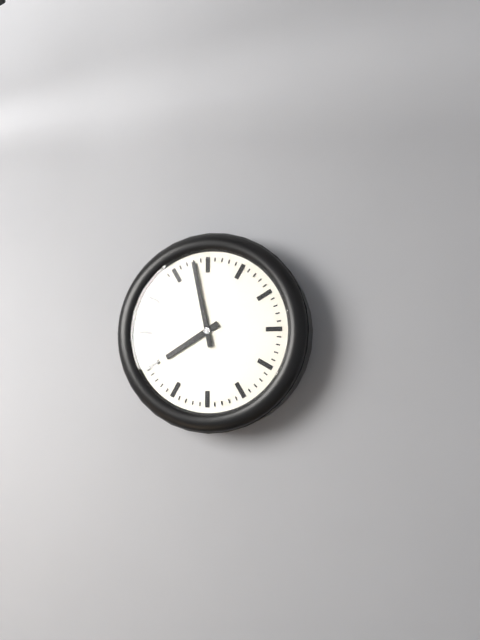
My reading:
7h58
